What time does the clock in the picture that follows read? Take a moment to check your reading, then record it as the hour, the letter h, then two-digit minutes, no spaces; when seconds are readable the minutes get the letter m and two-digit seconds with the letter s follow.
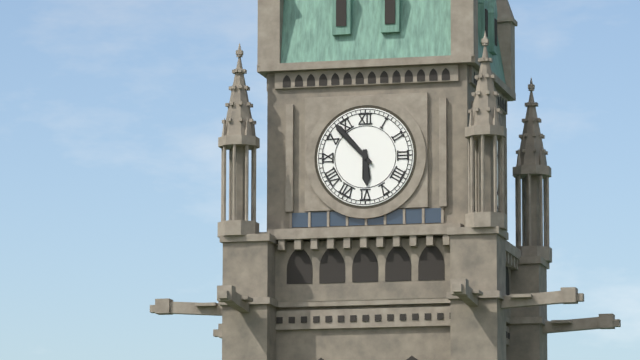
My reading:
5h53
